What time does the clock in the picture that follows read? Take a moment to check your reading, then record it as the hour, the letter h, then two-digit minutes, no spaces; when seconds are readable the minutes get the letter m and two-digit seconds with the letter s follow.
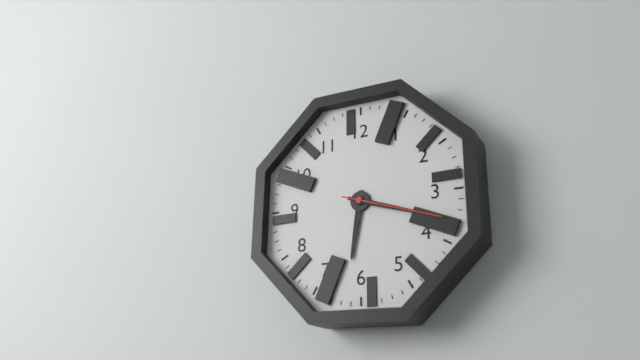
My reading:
6h18m18s
